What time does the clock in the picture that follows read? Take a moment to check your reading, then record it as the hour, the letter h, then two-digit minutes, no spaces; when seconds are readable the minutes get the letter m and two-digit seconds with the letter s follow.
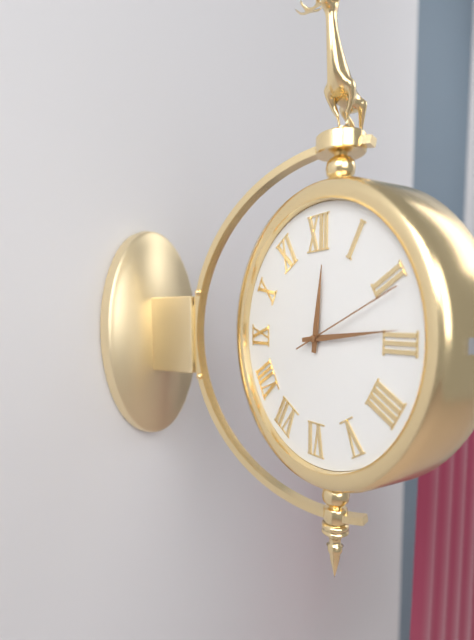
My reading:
12h14m11s
